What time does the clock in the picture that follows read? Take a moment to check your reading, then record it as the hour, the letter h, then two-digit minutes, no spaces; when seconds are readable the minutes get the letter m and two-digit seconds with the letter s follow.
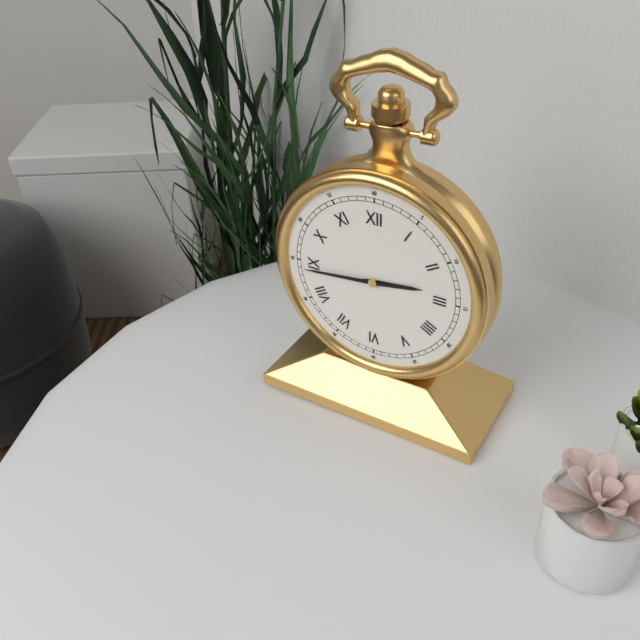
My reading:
2h44
